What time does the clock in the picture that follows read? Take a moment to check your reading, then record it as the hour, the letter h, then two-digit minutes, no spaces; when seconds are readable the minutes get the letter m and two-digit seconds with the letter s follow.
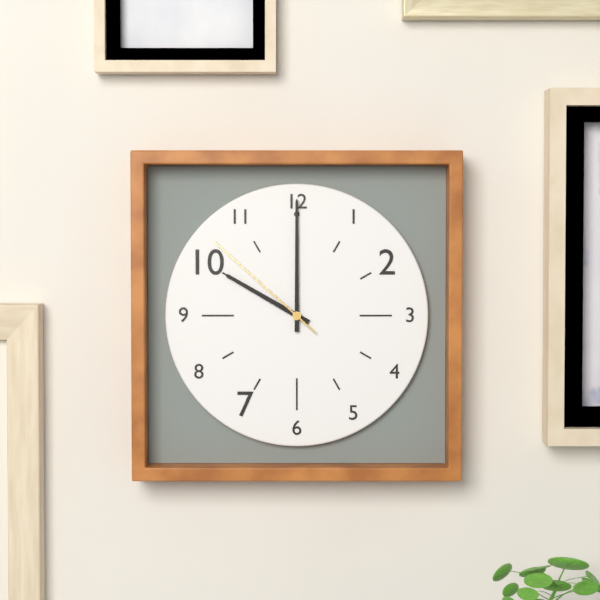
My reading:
10h00m52s
